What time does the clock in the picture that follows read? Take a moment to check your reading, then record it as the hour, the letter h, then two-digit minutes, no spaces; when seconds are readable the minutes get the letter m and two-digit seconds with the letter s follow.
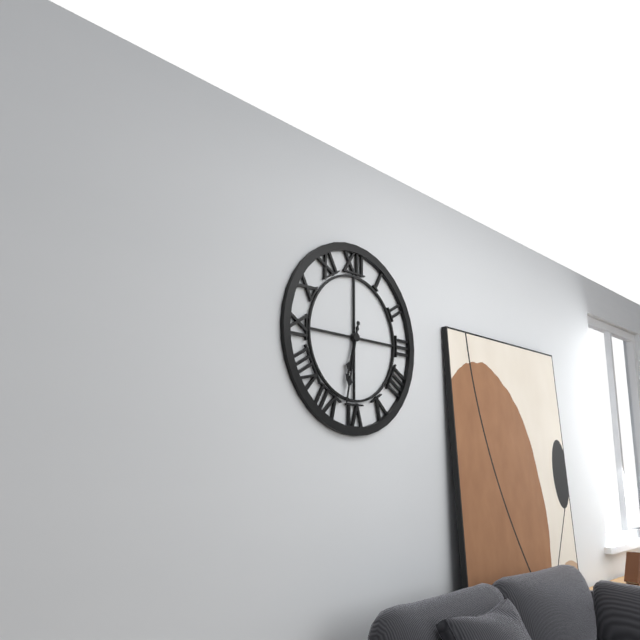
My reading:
6h32
